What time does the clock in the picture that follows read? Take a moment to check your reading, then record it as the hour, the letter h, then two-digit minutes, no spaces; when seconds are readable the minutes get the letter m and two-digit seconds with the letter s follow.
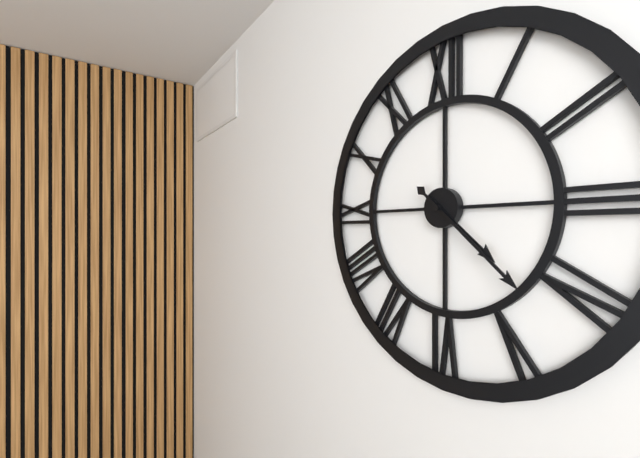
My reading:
4h22
